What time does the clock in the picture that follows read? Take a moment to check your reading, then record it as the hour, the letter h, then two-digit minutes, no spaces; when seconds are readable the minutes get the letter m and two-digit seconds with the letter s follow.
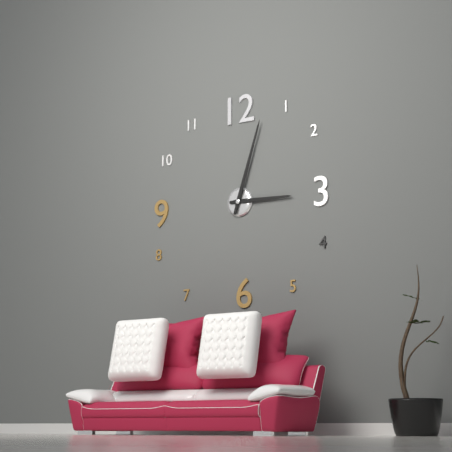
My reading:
3h03
